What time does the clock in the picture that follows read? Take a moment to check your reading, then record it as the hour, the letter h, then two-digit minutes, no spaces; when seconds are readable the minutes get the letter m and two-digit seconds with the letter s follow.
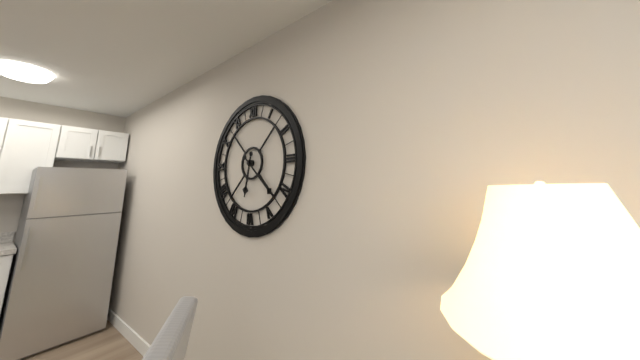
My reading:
6h22
